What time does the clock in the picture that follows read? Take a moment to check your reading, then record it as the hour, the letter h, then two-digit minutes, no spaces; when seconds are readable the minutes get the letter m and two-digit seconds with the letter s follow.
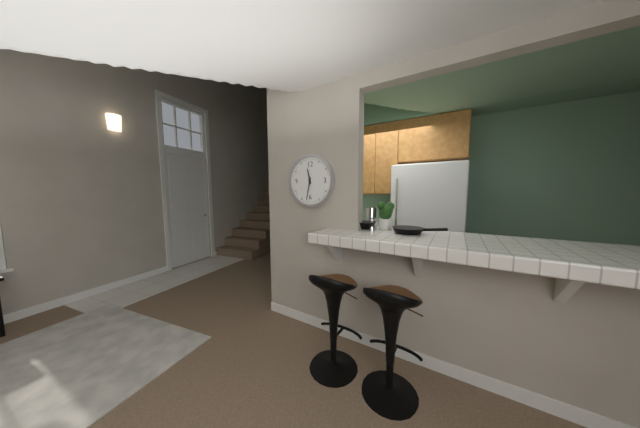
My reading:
11h32
